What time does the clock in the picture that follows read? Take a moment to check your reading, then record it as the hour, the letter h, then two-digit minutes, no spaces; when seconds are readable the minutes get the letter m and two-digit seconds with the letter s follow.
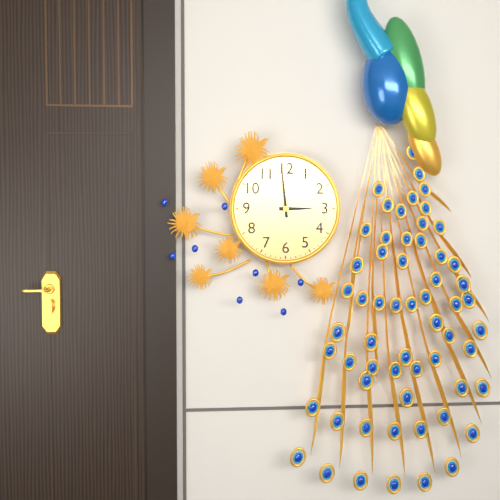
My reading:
2h59
